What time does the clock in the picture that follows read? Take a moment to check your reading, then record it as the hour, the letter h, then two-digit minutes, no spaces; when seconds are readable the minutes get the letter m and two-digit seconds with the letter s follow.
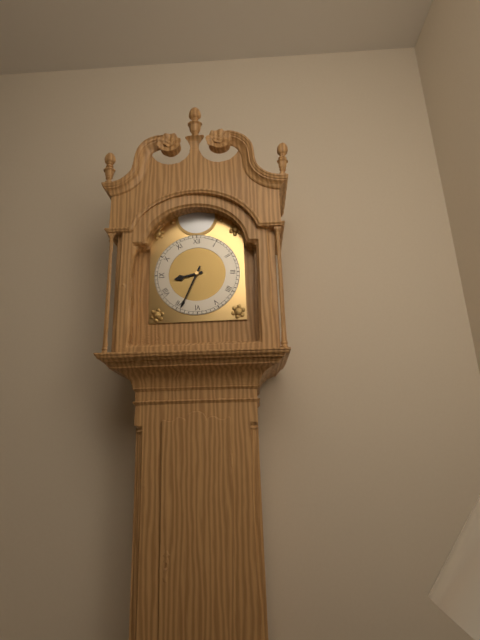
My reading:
8h34
